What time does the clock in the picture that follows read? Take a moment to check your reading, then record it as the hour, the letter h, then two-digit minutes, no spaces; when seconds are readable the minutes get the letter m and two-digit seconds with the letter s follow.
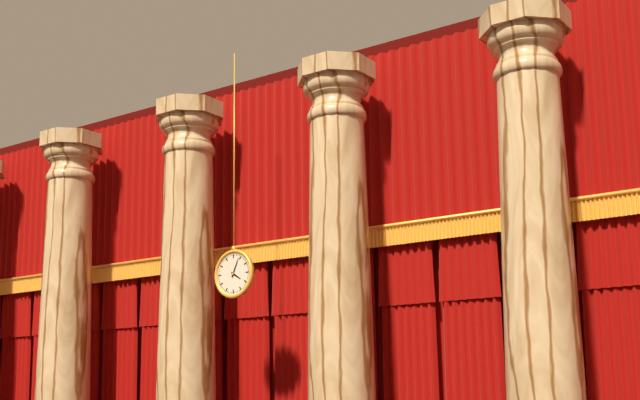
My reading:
4h04
